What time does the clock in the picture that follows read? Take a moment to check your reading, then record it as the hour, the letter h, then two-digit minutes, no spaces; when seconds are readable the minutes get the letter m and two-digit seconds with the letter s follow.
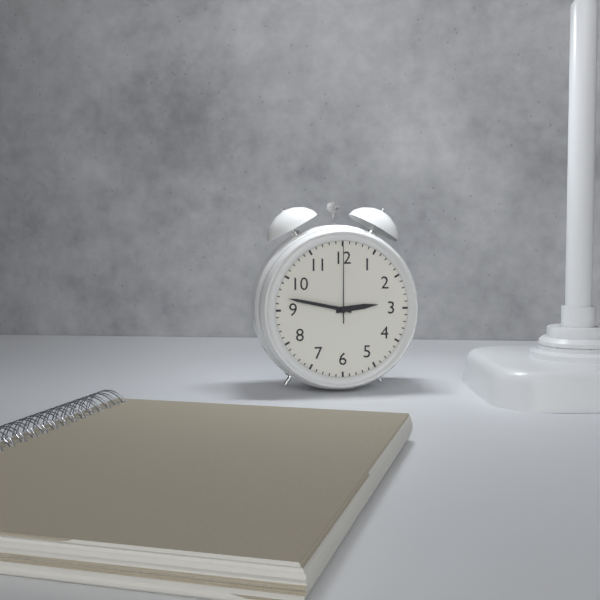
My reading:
2h47m00s
